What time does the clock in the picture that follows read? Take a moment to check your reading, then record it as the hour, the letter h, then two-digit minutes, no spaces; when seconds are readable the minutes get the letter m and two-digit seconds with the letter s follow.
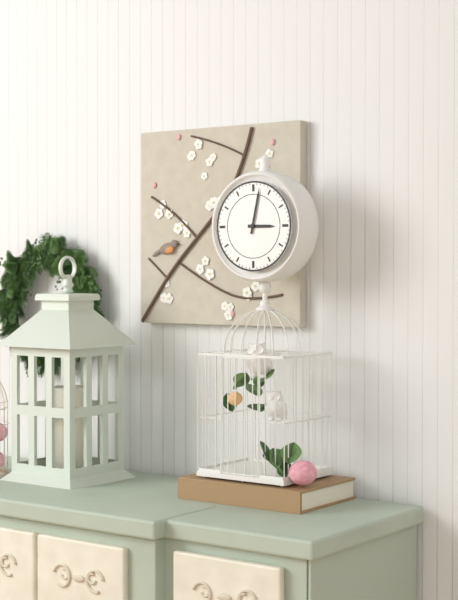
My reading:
3h02
